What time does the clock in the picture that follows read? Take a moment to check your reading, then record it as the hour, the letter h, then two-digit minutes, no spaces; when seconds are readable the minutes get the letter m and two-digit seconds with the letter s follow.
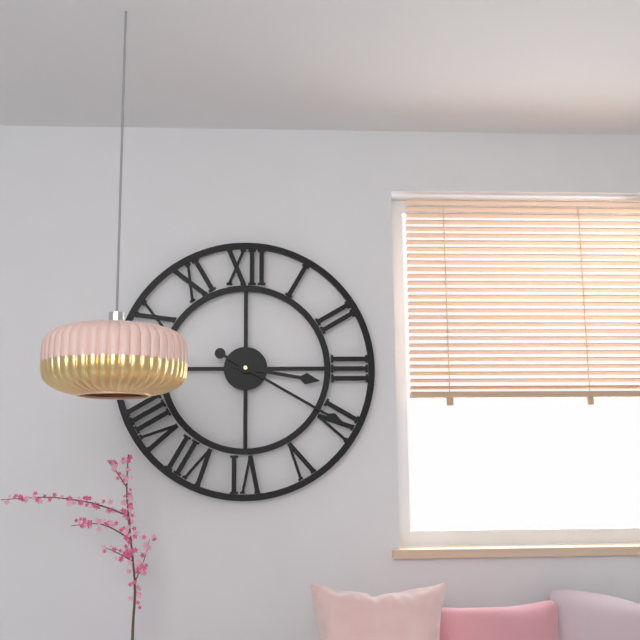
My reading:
3h20
